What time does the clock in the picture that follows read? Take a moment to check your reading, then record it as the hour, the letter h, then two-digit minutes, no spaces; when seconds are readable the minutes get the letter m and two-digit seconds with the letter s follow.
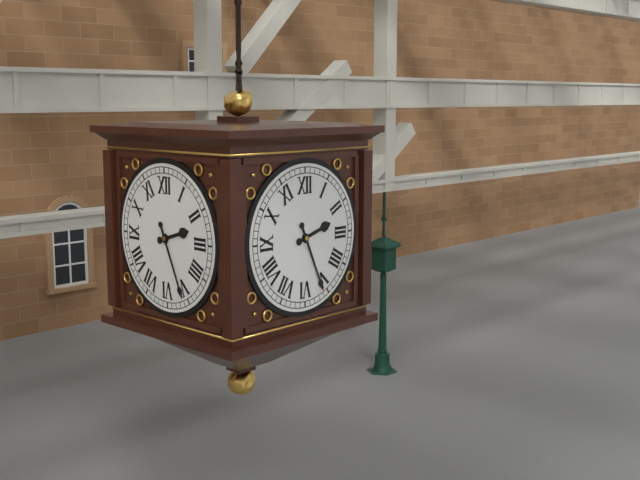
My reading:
2h26
